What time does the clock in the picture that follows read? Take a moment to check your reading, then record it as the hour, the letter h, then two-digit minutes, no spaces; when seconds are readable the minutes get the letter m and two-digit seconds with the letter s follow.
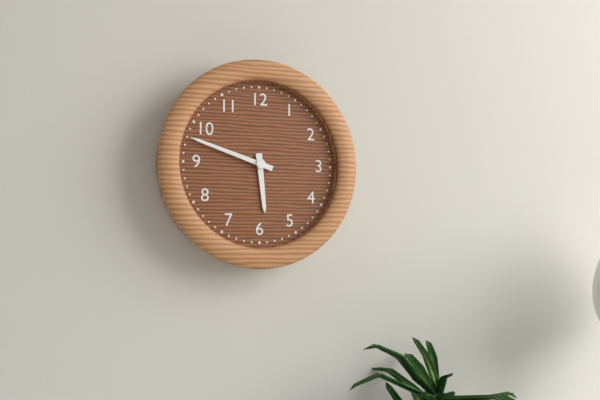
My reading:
5h48
